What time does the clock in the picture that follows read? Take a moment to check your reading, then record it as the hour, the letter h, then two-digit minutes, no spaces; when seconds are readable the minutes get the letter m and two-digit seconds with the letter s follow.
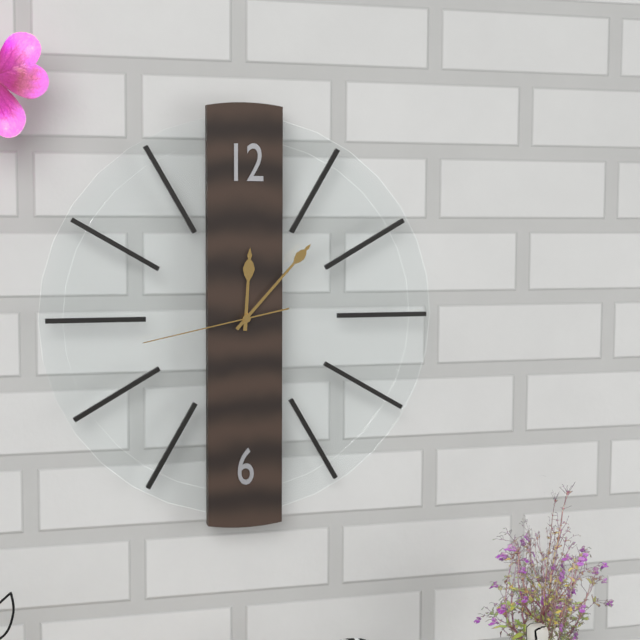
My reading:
12h07m43s
